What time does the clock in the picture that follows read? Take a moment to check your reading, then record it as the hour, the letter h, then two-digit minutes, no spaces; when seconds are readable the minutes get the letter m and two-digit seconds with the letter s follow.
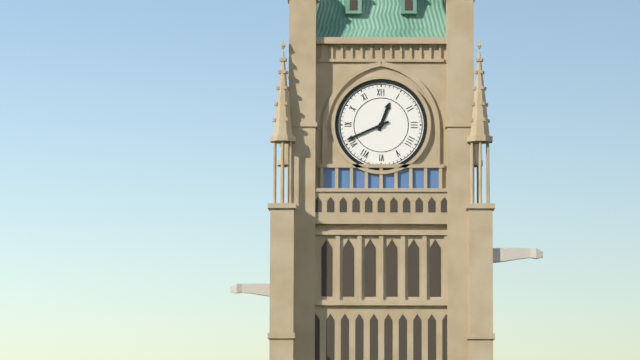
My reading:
12h41
